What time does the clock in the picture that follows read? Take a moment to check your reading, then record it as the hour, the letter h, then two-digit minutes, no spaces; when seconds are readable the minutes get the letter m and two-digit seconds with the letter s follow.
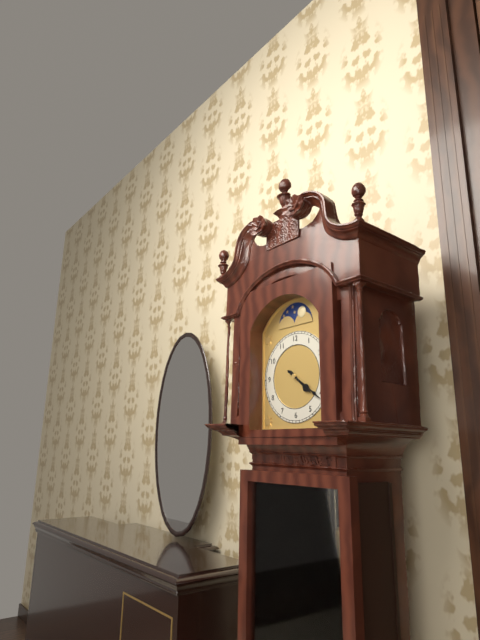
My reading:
4h21
